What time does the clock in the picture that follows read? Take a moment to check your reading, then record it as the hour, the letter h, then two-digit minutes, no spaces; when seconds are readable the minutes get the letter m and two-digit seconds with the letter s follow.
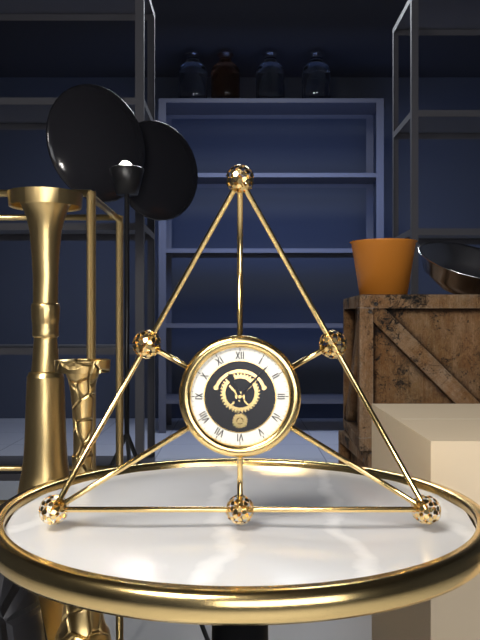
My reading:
11h07
